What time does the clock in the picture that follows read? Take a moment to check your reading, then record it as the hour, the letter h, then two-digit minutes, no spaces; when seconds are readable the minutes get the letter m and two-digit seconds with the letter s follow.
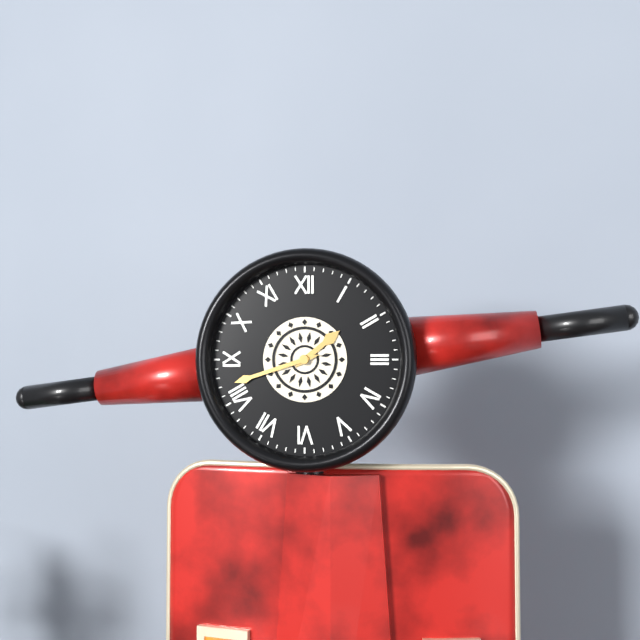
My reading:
1h42
